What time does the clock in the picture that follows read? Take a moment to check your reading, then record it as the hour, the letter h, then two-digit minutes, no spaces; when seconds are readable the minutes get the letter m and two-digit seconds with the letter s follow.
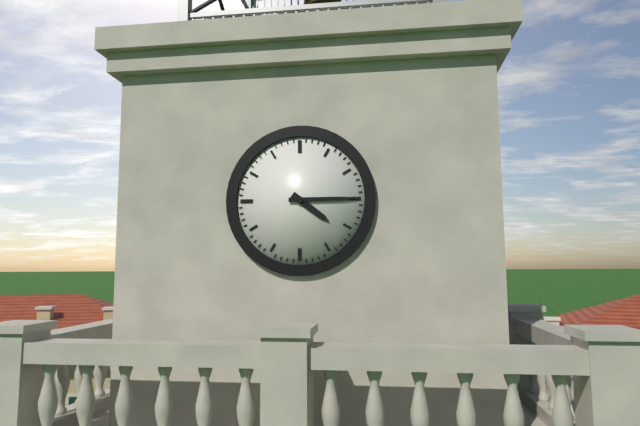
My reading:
4h15
